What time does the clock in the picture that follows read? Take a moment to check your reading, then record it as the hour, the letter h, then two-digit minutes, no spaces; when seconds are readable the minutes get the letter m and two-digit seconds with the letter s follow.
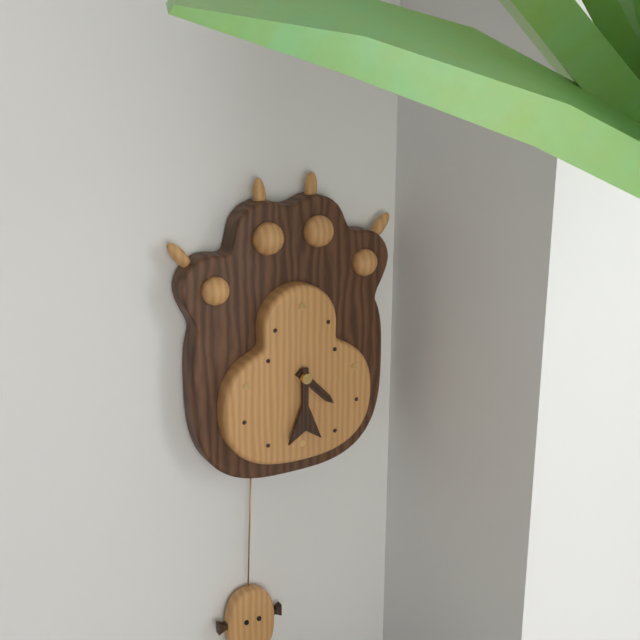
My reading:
4h30
